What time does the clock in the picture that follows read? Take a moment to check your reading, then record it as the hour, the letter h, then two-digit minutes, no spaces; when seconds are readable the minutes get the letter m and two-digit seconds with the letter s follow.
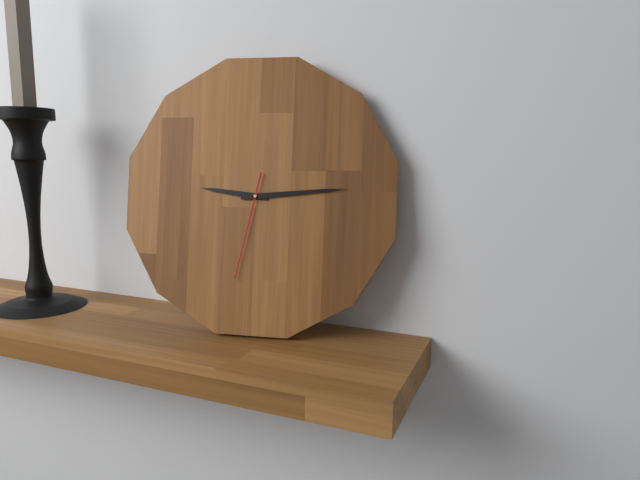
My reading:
9h14m32s
